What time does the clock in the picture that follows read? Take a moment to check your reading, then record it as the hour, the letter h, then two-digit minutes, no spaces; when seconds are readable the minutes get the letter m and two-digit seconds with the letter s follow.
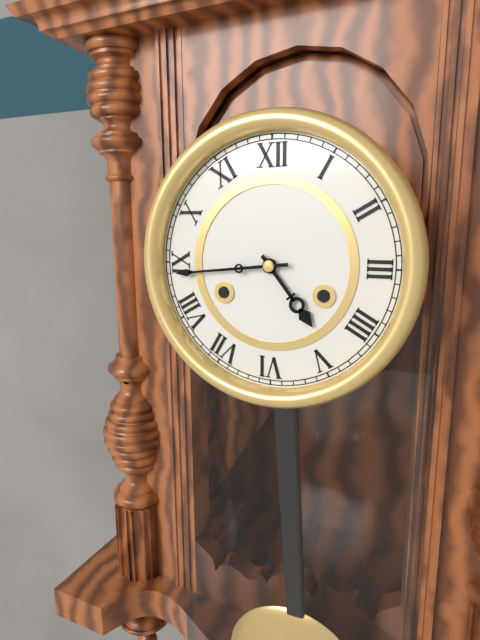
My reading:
4h44
